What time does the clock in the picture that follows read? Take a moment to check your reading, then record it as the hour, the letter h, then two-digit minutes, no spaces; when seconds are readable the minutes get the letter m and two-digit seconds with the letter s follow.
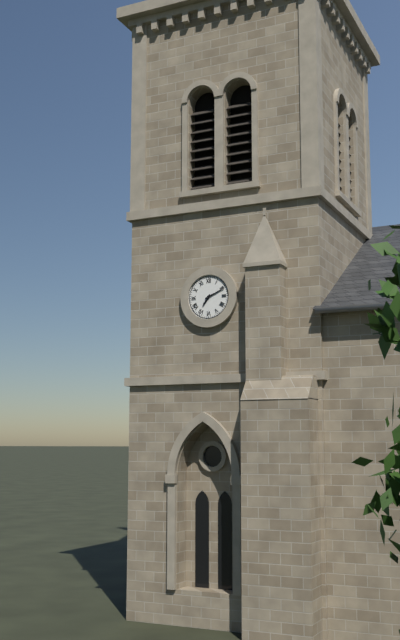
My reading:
7h11
